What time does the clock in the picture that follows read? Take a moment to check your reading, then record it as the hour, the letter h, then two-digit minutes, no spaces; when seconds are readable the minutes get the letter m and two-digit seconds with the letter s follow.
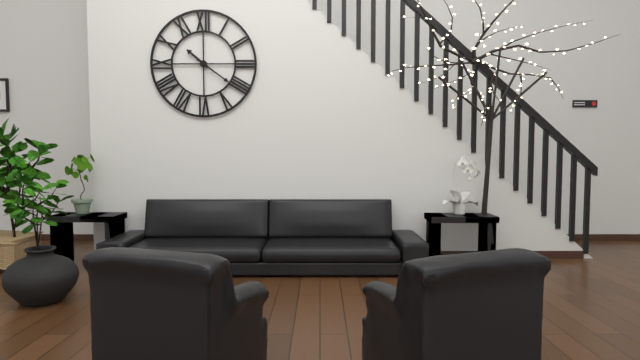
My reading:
10h21
